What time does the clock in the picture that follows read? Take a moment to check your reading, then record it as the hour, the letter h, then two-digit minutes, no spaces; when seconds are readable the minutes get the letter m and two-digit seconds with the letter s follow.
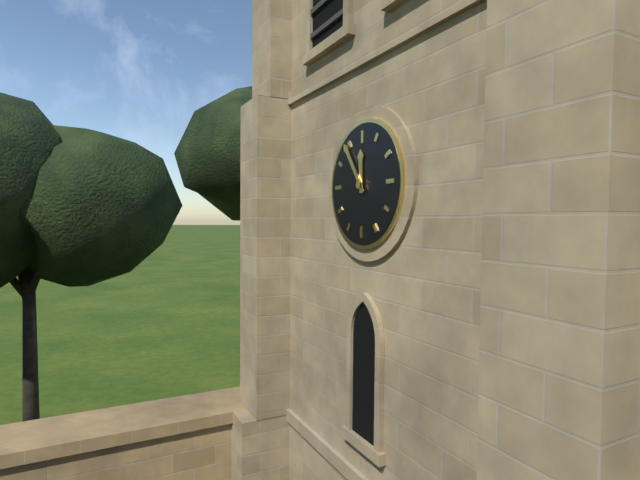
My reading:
11h54
